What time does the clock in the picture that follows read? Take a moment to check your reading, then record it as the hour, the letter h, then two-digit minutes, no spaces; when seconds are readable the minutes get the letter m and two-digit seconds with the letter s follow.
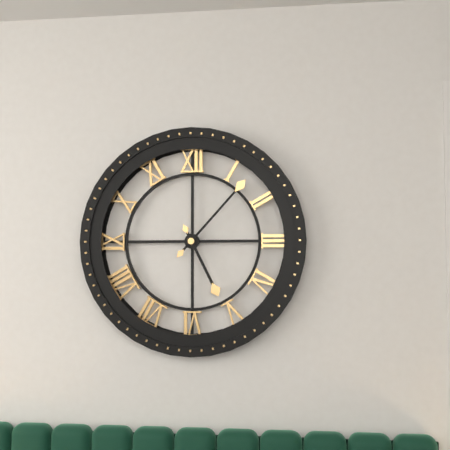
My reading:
5h07
